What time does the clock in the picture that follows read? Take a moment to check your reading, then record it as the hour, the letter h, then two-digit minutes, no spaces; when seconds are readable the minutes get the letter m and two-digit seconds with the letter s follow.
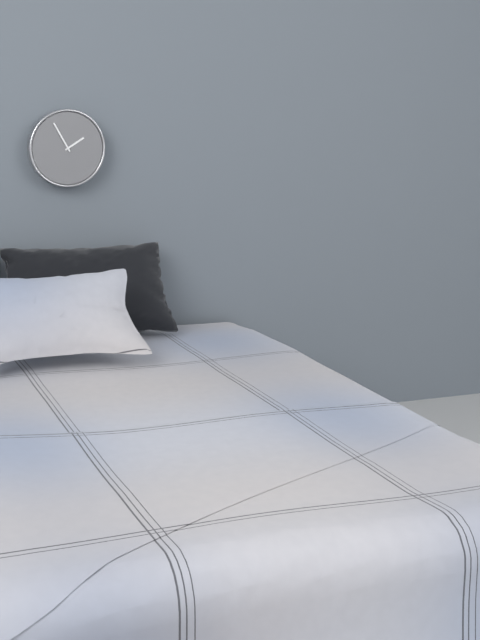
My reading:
1h55
